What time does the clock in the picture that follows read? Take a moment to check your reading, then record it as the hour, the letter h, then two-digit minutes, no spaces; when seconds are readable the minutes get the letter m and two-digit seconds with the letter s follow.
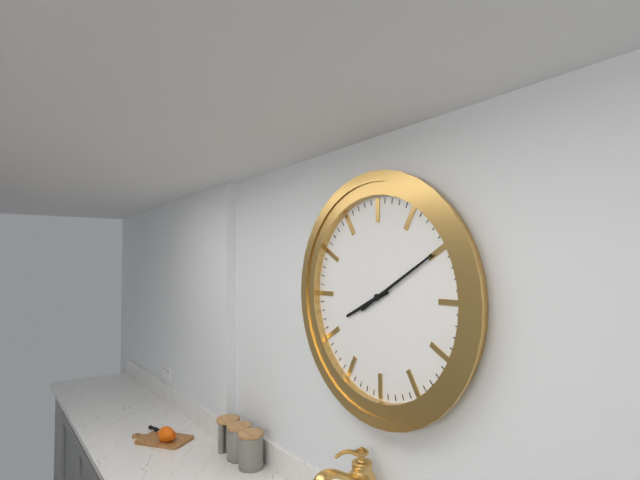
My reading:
8h10
